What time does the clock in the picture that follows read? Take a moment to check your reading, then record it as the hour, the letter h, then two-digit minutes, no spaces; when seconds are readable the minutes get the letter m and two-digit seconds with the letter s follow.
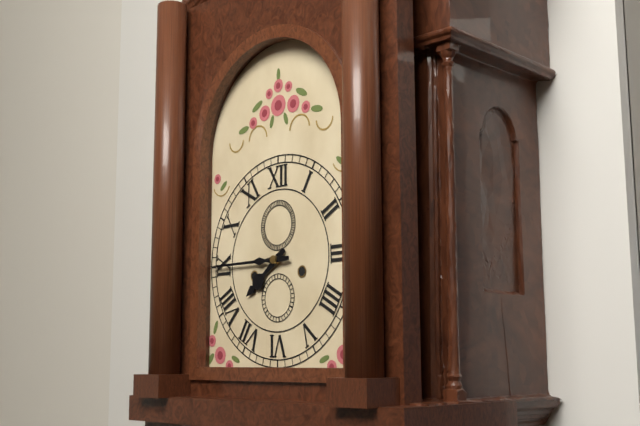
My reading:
7h45
